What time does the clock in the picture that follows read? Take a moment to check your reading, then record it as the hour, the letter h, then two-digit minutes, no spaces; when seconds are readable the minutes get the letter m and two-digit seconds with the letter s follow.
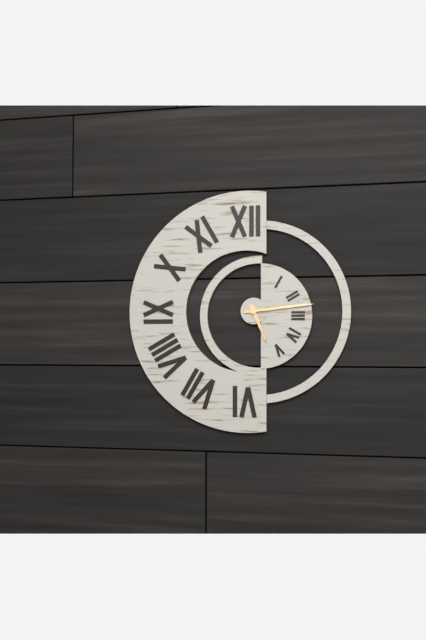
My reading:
5h14
